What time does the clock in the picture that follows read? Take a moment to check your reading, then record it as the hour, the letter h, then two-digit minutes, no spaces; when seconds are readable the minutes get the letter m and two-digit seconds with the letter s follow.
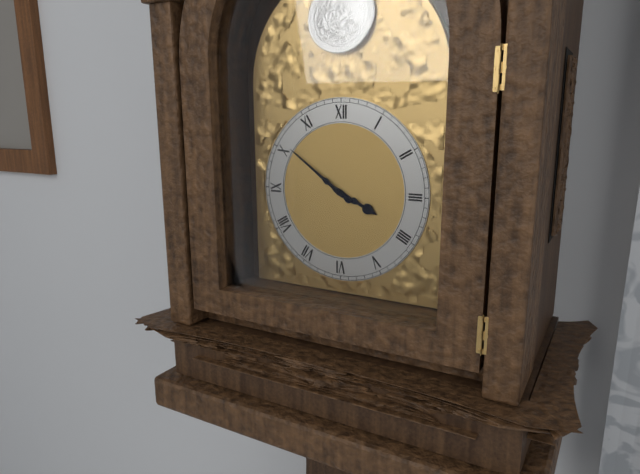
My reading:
3h51
